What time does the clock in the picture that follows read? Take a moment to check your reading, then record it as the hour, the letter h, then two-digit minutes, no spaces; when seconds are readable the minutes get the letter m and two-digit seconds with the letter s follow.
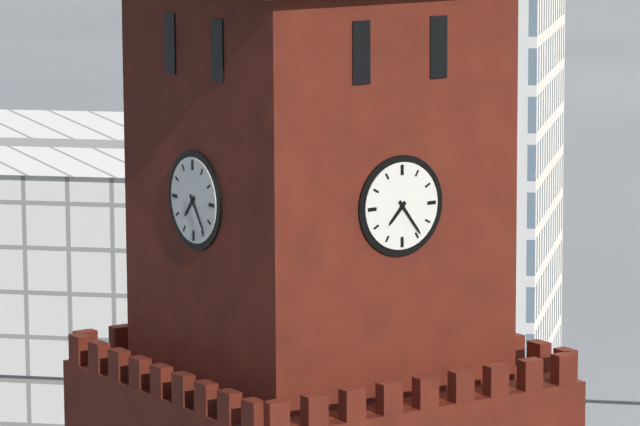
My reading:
7h24
